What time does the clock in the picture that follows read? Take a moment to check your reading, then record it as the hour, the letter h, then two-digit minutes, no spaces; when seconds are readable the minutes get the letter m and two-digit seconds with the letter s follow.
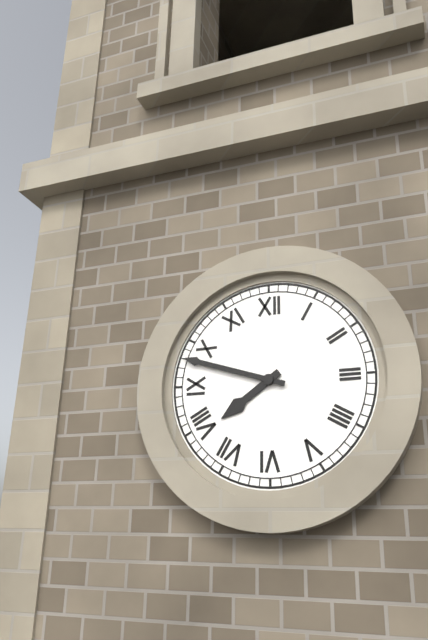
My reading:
7h48
